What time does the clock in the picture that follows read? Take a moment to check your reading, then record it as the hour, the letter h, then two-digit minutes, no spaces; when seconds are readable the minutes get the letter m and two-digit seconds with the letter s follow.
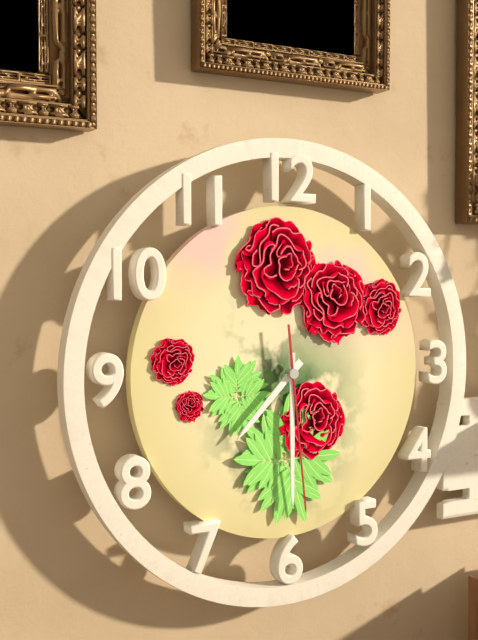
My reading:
7h30m29s
